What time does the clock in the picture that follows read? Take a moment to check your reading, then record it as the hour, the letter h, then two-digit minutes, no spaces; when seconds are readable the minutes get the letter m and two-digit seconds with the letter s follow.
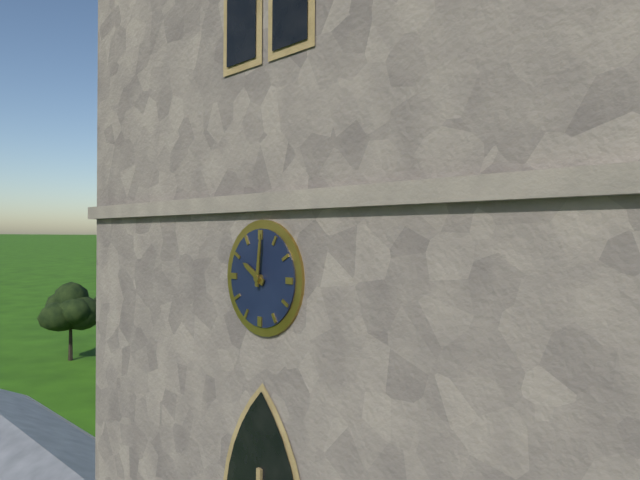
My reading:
10h01
